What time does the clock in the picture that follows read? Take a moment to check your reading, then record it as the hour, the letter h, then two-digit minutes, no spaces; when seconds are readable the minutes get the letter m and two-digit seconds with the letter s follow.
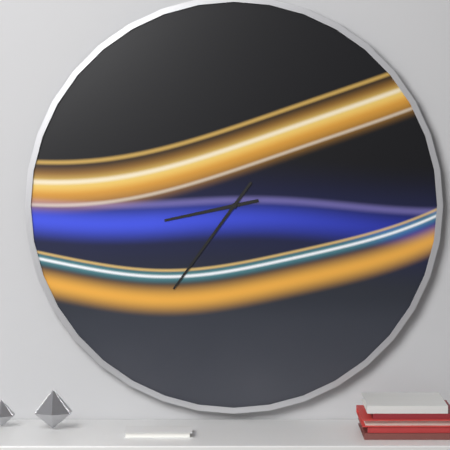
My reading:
8h36
